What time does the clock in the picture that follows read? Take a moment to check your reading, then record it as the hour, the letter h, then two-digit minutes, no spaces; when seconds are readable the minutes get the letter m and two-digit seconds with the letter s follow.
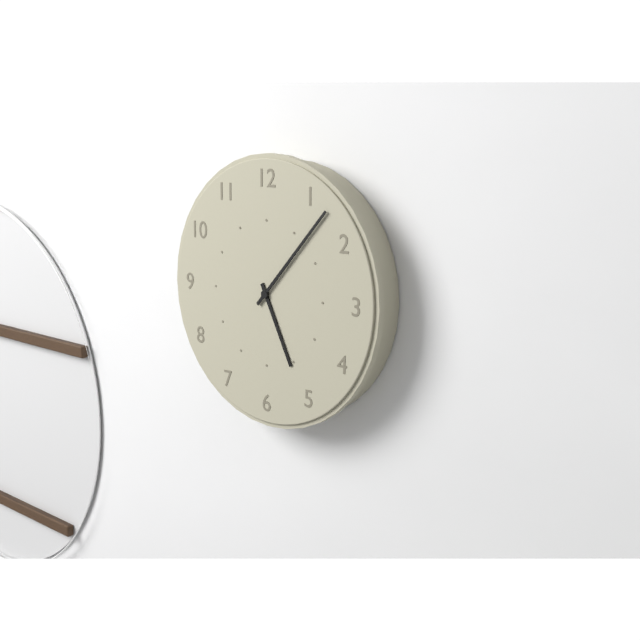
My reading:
5h07
